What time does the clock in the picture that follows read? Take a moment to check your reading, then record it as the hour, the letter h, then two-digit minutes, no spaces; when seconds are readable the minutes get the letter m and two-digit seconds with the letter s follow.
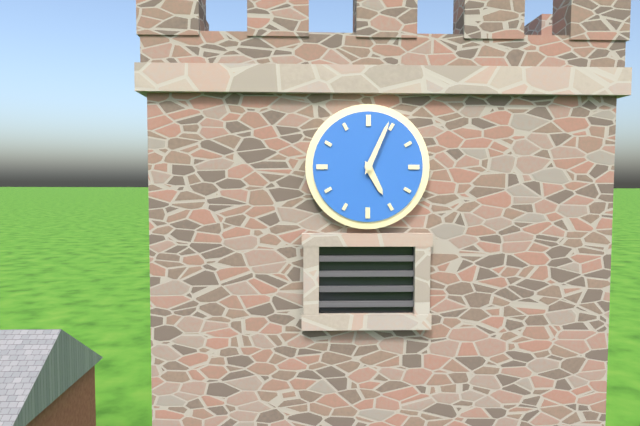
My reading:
5h04
